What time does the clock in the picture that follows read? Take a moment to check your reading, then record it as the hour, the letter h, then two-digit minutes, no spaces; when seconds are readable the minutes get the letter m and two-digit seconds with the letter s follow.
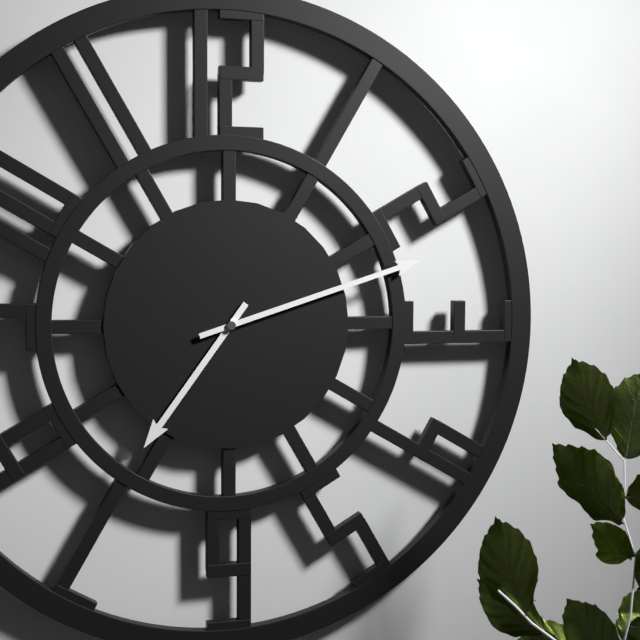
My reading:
7h12
